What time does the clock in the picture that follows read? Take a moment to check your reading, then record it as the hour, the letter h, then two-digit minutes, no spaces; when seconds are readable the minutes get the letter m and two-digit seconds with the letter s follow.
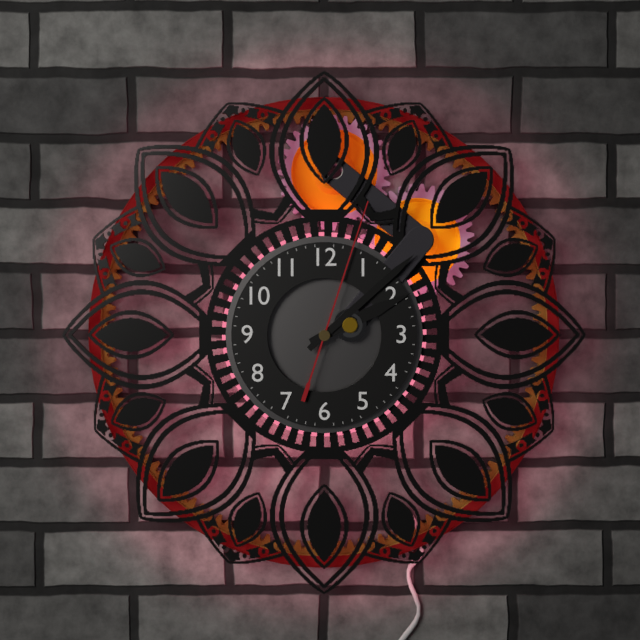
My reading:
2h08m03s
